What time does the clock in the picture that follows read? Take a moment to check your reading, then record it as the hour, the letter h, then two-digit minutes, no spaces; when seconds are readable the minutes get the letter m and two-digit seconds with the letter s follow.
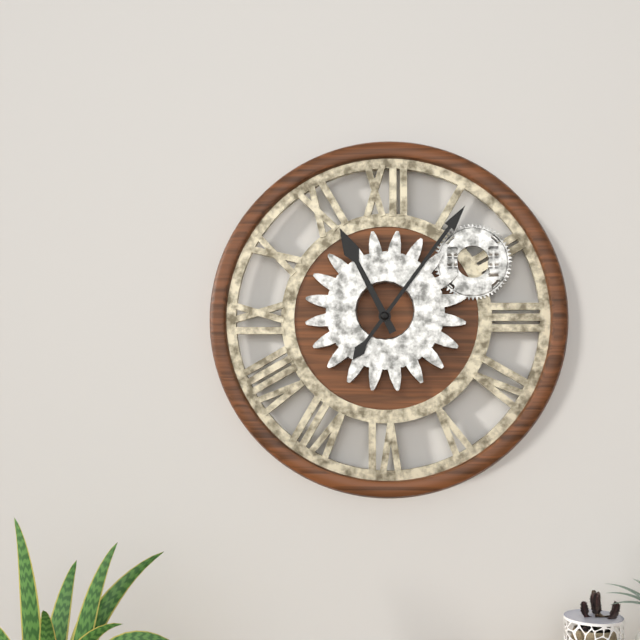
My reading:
11h06
